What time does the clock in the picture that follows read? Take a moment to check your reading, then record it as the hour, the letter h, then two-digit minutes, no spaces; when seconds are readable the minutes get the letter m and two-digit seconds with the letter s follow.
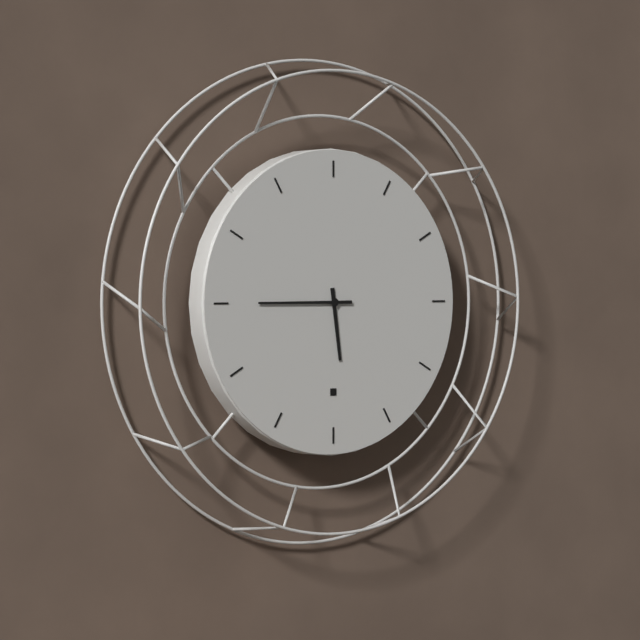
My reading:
5h45
